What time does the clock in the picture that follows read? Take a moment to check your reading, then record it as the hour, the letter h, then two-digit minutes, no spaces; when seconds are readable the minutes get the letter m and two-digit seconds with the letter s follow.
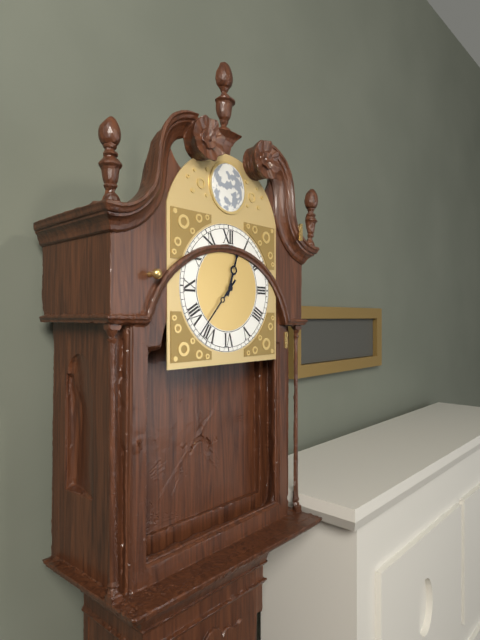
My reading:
12h37
